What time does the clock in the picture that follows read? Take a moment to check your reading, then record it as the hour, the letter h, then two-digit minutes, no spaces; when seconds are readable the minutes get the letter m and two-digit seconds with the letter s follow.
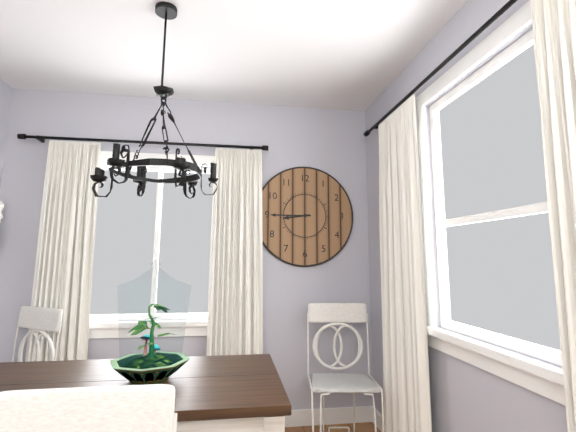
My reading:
8h45
